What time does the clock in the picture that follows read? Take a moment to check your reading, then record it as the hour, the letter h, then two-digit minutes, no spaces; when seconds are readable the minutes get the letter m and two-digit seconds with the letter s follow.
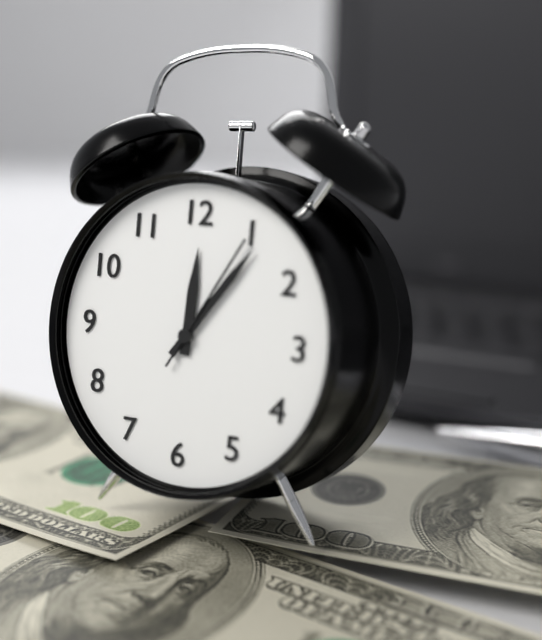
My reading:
12h06m05s
